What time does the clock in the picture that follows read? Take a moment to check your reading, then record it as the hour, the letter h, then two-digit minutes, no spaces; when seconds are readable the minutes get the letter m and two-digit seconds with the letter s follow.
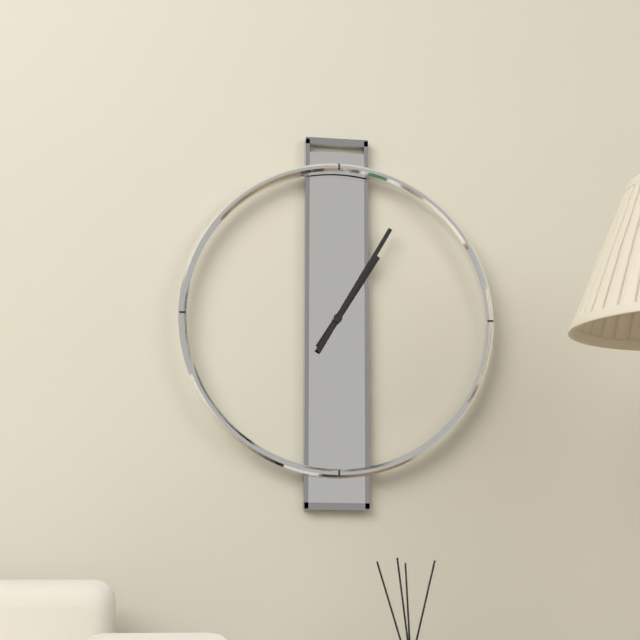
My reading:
1h05
